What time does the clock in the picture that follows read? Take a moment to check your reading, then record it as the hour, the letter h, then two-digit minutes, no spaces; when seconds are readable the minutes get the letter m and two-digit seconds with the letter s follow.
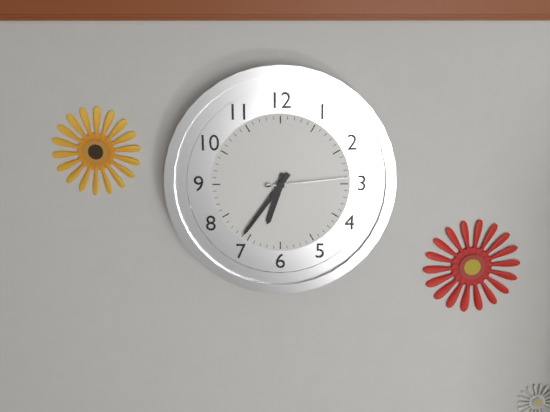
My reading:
6h36m14s
